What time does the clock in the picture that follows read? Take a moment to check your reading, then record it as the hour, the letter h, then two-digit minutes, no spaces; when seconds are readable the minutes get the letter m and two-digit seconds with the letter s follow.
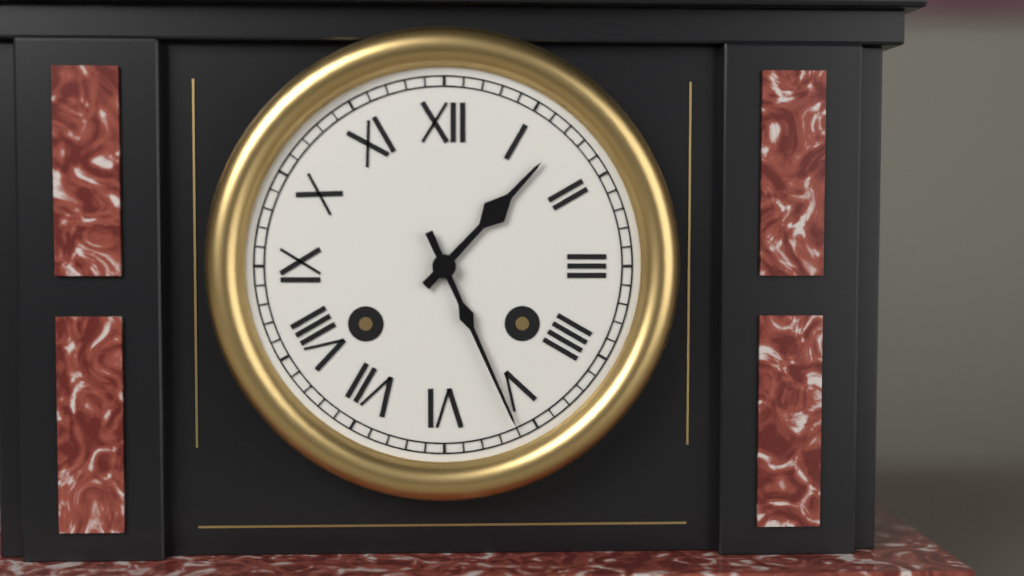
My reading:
1h26
